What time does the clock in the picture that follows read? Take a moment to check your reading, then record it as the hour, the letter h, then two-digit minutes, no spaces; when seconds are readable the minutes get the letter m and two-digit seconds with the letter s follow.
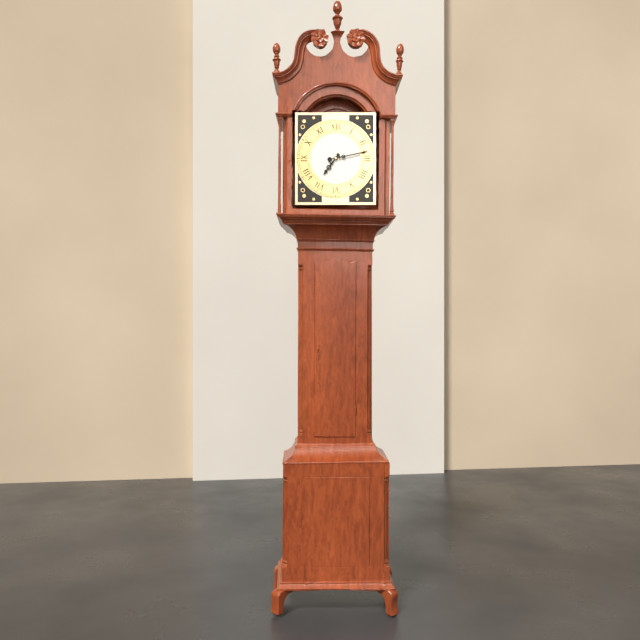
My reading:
7h13
